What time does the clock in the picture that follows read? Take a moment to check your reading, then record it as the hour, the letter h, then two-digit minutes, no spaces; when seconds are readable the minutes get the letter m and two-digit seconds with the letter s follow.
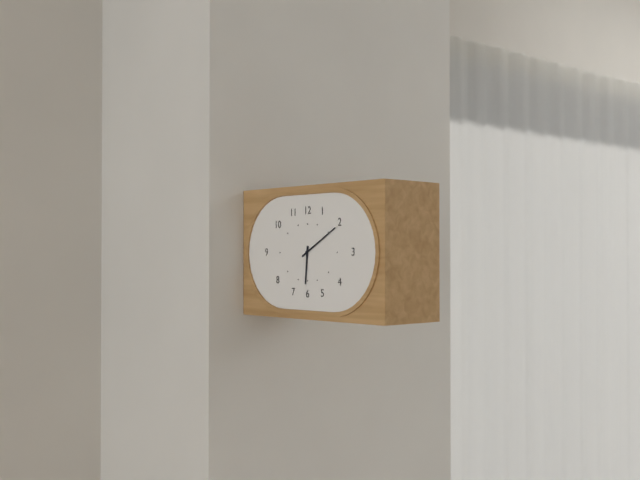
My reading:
6h10
